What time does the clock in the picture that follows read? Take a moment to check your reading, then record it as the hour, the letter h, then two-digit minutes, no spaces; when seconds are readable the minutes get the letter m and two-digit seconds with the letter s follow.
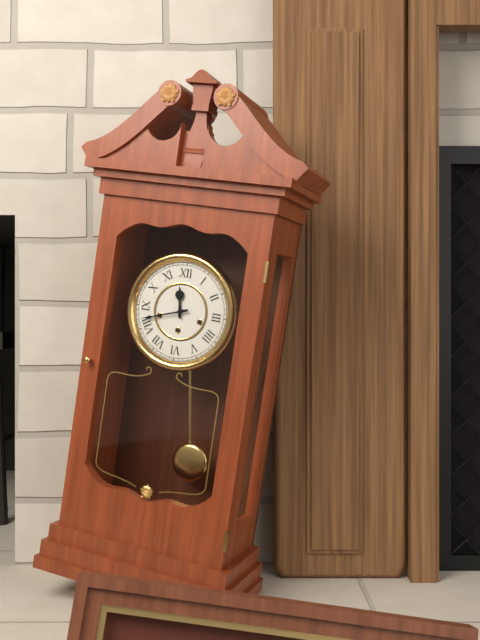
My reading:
11h42
